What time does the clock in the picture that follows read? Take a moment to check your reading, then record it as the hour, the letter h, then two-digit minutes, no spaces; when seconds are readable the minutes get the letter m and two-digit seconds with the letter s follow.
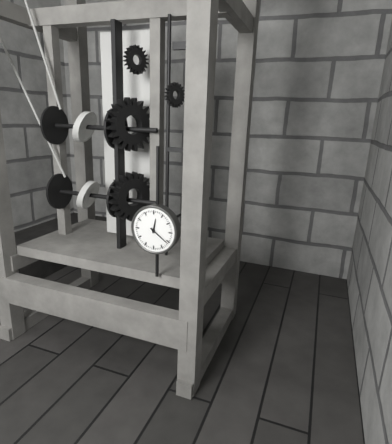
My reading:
12h21
